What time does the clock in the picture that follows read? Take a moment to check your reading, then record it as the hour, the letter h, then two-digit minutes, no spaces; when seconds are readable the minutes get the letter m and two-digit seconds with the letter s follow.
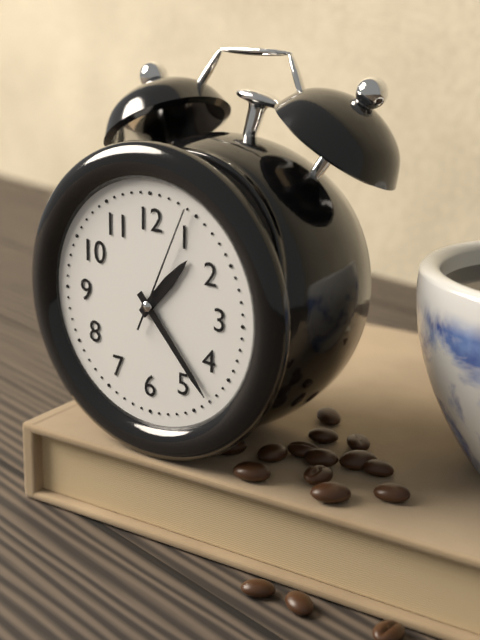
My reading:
1h23m04s
